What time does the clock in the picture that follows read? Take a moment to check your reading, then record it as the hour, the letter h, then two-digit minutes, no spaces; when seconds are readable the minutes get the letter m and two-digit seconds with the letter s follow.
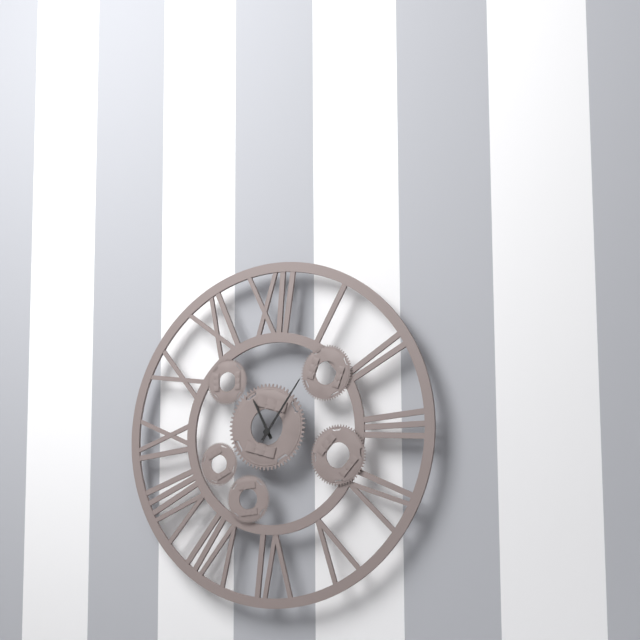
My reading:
11h06
